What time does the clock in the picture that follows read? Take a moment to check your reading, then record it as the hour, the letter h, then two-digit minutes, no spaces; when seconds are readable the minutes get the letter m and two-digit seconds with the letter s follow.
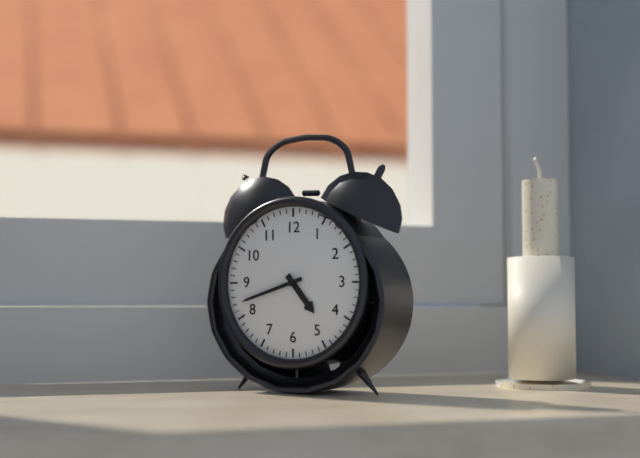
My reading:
4h42
